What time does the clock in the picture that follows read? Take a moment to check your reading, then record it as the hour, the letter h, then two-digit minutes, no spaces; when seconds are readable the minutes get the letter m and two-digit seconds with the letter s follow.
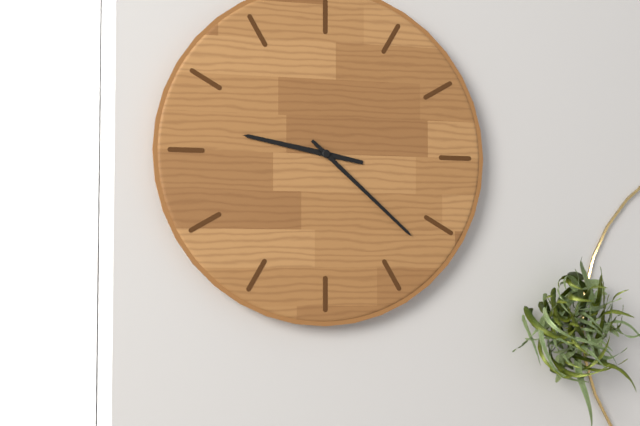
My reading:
9h22
